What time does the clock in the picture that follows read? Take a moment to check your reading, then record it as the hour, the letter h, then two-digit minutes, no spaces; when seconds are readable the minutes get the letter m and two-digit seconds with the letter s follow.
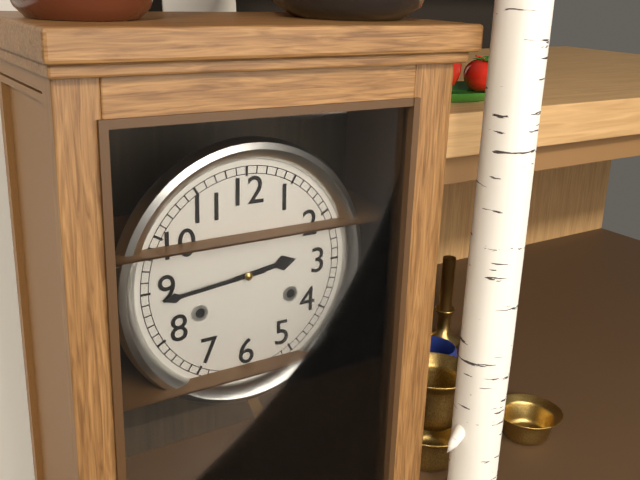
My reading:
2h44
